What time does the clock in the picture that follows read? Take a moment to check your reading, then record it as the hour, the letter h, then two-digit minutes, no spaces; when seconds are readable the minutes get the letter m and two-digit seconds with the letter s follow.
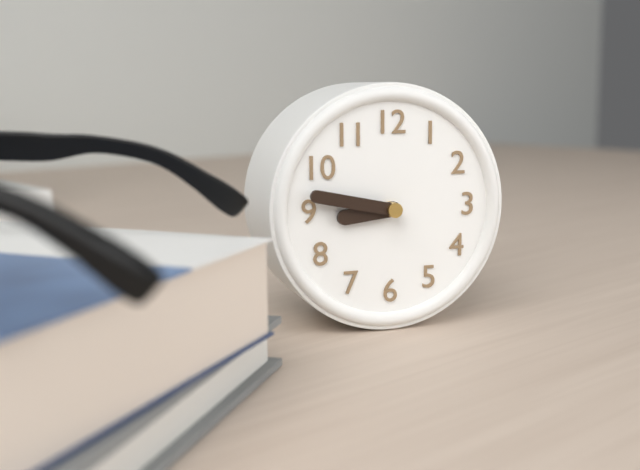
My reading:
8h47
